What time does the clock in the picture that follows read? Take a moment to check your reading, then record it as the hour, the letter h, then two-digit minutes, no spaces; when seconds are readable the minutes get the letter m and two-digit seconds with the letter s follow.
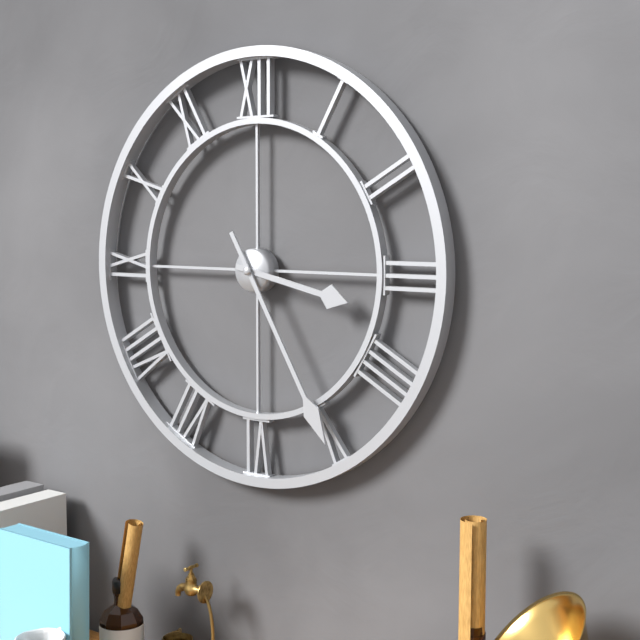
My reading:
3h25
